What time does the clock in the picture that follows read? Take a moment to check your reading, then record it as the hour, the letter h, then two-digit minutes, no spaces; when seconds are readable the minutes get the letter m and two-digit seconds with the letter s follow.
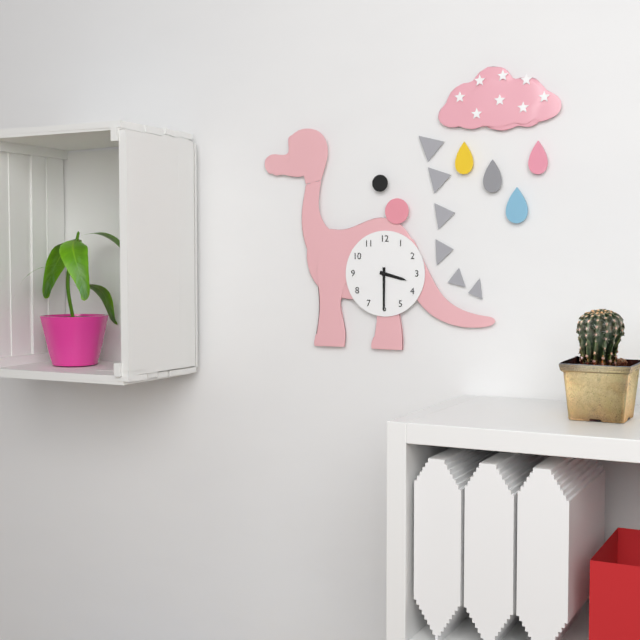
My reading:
3h30
